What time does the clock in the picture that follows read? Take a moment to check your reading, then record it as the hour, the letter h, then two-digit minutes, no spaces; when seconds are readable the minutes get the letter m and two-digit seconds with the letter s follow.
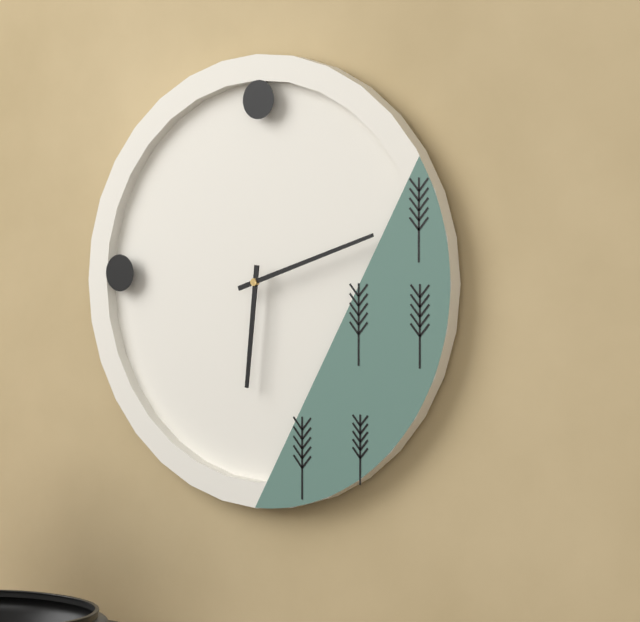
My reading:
6h12
